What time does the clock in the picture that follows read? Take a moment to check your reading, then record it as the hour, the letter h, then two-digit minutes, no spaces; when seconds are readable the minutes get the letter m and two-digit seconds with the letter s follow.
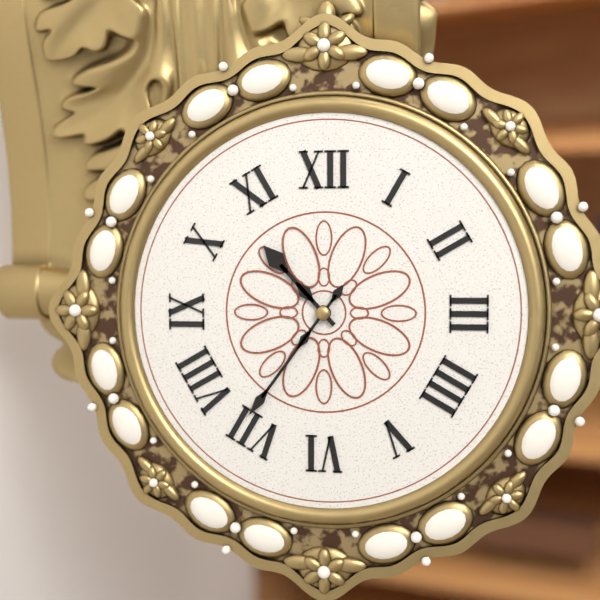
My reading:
10h36
